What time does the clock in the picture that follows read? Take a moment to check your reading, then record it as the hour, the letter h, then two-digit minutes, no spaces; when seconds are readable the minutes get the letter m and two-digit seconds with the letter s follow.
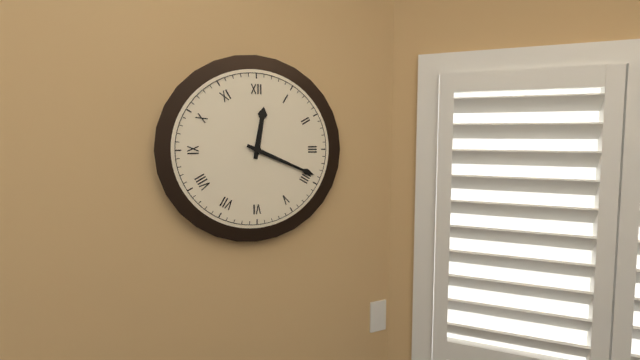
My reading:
12h19
